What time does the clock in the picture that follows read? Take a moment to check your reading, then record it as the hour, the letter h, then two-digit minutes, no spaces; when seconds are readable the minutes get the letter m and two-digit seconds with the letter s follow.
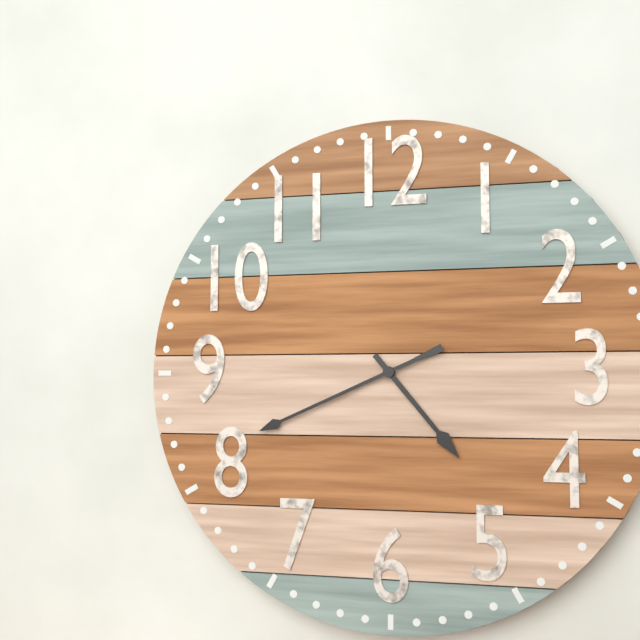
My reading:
4h41
